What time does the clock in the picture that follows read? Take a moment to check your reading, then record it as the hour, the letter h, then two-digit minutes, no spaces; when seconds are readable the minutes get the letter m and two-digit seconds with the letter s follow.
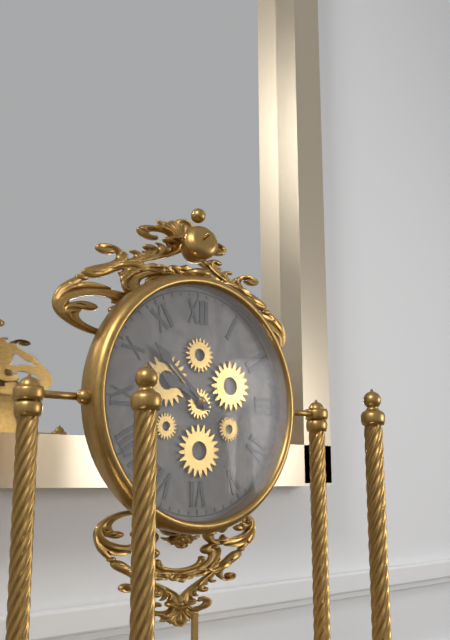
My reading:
9h52
